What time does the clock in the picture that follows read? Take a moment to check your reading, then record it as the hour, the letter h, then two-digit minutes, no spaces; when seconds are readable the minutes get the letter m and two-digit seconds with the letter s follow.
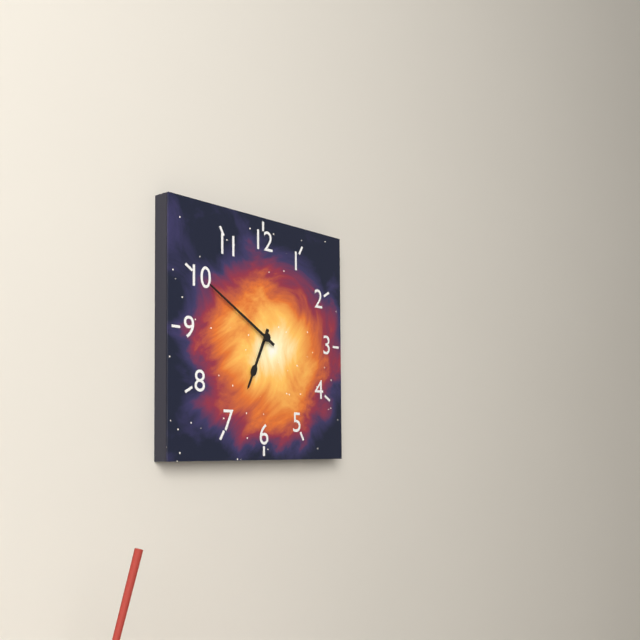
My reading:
6h50
